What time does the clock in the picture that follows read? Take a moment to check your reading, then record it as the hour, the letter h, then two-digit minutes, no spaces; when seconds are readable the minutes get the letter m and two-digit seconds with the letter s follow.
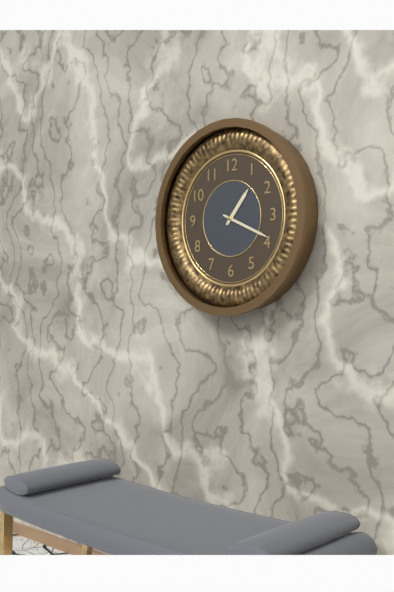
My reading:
1h19
